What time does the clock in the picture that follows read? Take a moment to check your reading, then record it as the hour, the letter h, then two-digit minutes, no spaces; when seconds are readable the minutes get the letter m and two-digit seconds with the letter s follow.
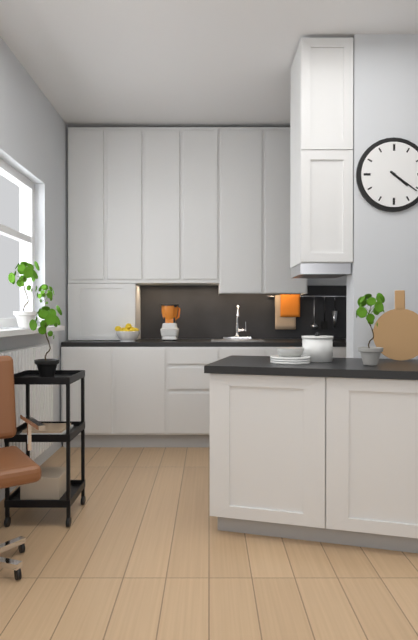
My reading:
4h21
